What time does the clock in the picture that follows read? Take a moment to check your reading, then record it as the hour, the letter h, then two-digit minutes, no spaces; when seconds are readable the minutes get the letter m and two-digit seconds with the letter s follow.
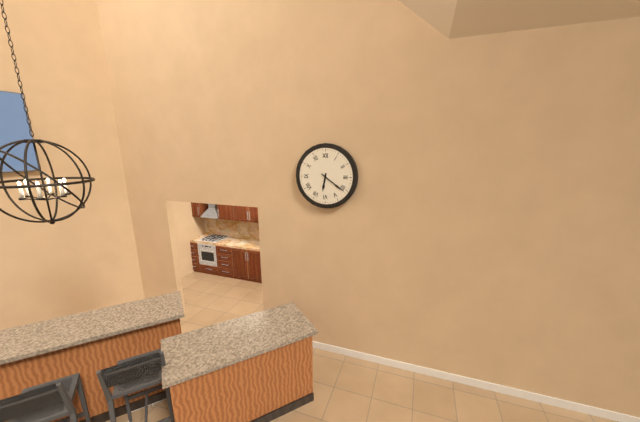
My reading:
6h21
